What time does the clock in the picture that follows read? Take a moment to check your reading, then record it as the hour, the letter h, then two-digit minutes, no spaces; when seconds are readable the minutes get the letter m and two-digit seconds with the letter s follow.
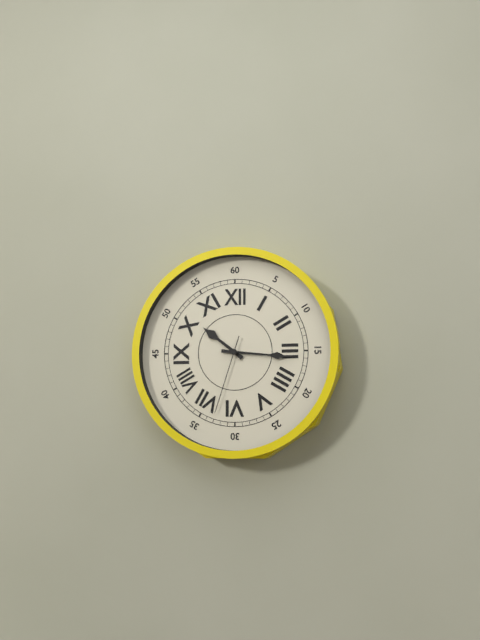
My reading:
10h16m33s
